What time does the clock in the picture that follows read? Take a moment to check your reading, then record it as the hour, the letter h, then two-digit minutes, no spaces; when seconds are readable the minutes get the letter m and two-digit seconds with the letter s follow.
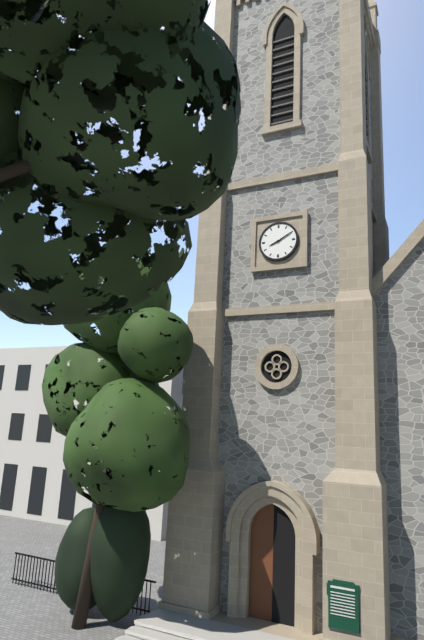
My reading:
8h10
